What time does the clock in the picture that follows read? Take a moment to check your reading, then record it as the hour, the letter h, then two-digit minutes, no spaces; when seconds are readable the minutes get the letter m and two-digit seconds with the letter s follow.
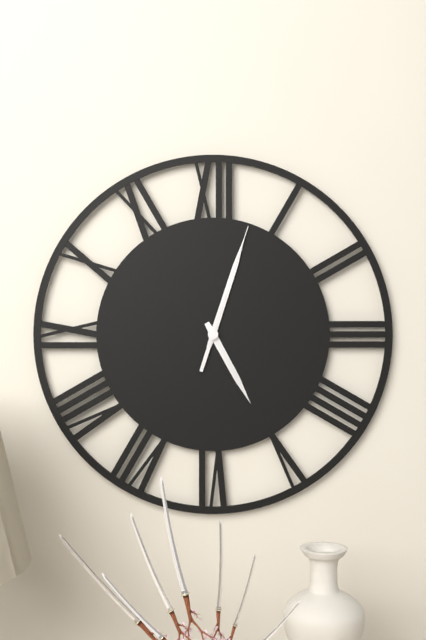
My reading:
5h03m03s
